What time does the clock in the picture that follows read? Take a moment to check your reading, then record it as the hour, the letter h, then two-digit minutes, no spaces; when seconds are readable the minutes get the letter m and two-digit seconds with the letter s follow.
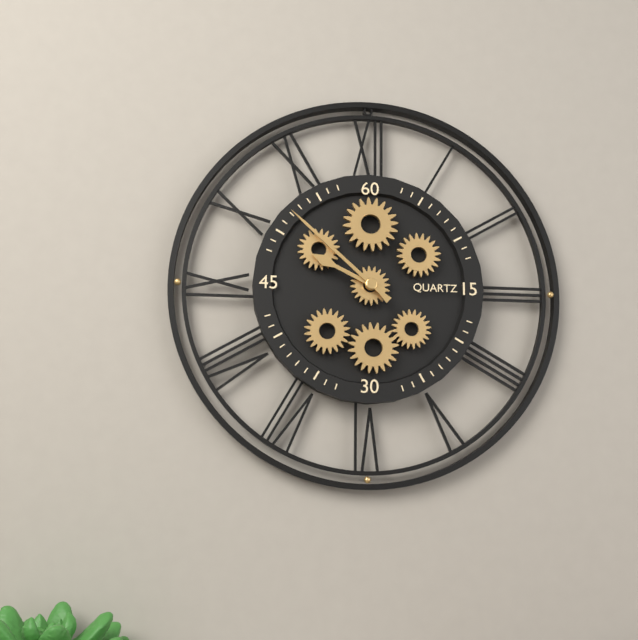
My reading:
9h52
